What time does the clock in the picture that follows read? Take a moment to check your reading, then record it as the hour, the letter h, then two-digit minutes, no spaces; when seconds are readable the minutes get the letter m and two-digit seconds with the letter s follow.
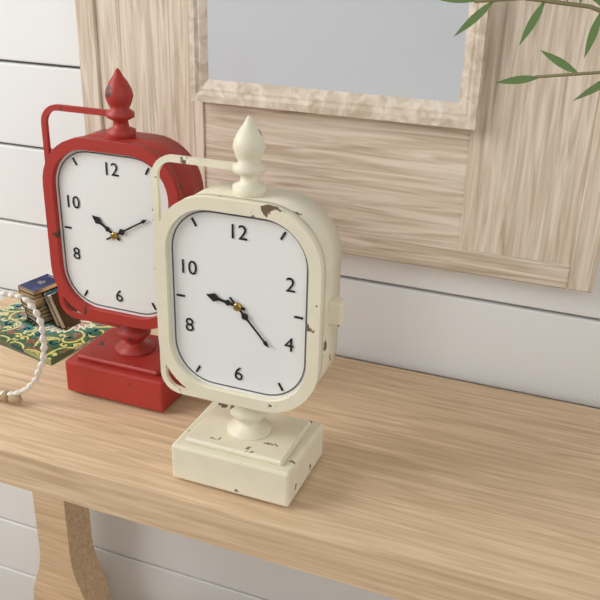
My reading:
9h23
